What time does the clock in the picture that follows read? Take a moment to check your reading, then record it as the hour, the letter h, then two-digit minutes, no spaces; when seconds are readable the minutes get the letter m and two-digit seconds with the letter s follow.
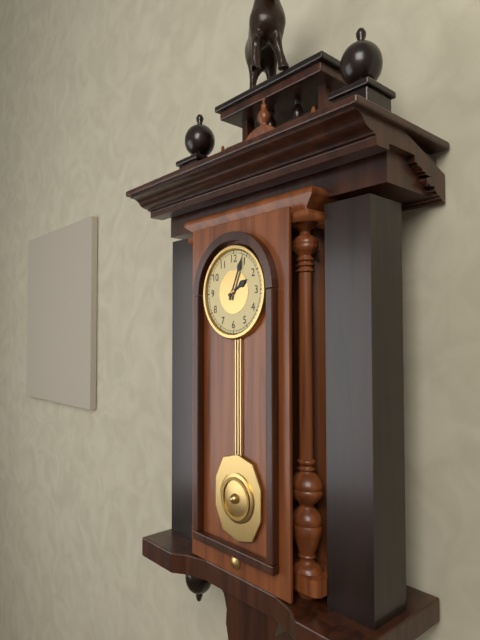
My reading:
2h04
